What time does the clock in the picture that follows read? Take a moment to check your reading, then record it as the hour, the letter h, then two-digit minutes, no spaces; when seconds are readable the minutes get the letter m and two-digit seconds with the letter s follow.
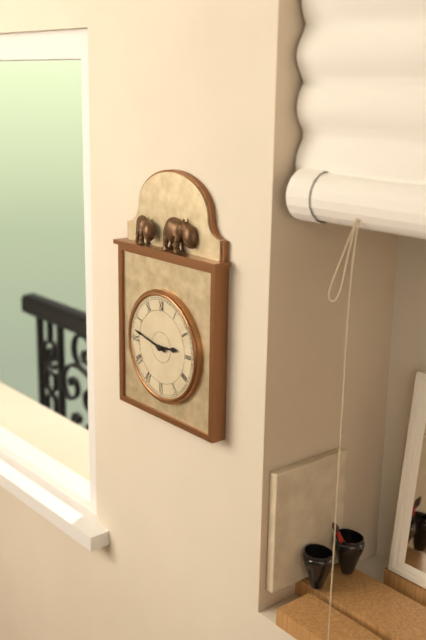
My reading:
2h47
